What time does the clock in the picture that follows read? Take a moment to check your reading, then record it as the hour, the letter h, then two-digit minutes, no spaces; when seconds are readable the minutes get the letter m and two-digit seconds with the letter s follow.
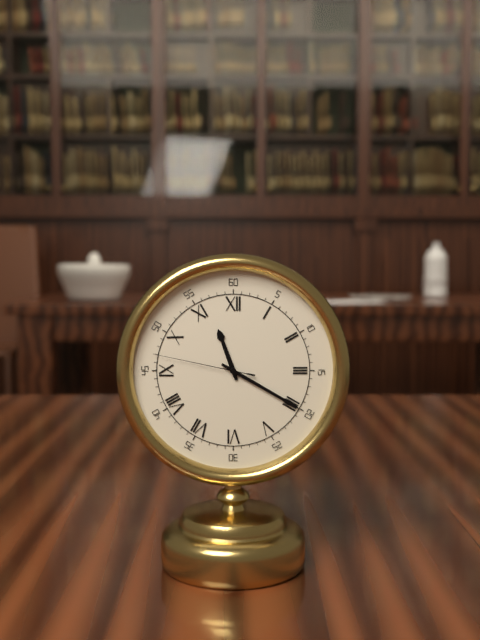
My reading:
11h20m47s
